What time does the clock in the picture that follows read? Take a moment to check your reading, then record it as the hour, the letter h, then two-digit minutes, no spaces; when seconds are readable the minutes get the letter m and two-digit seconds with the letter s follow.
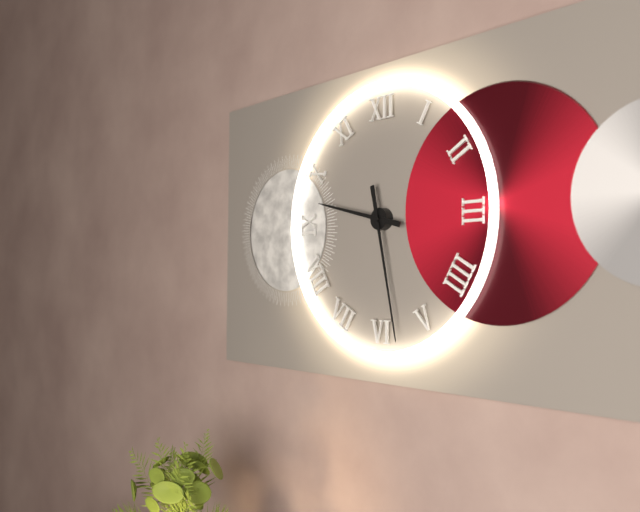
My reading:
9h28
